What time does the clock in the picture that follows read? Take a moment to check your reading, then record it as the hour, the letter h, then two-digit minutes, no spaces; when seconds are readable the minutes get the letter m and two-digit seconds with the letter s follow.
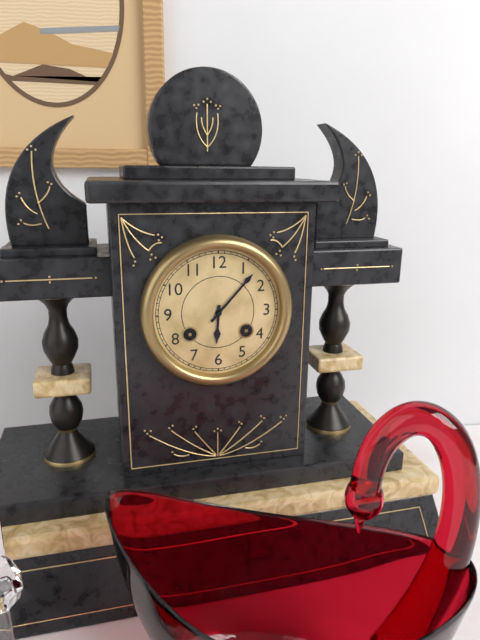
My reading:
6h07
